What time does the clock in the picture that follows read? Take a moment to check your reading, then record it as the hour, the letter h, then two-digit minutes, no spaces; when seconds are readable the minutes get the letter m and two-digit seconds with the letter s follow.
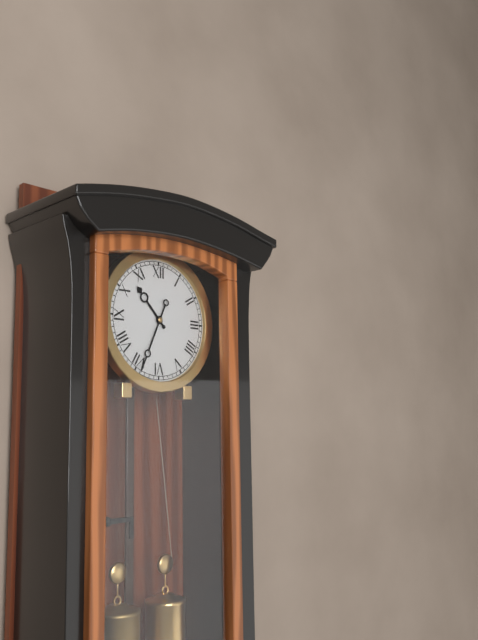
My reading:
10h34
